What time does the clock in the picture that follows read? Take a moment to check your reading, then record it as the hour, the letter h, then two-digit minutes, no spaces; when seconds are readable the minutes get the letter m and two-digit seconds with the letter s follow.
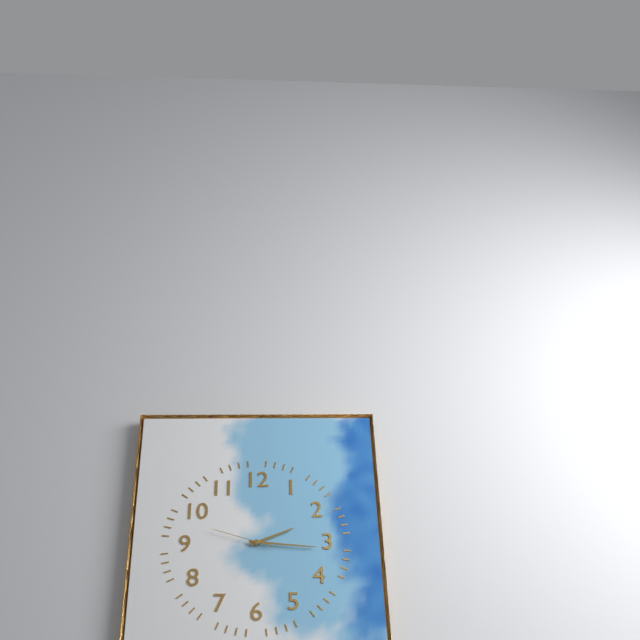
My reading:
2h16m48s
